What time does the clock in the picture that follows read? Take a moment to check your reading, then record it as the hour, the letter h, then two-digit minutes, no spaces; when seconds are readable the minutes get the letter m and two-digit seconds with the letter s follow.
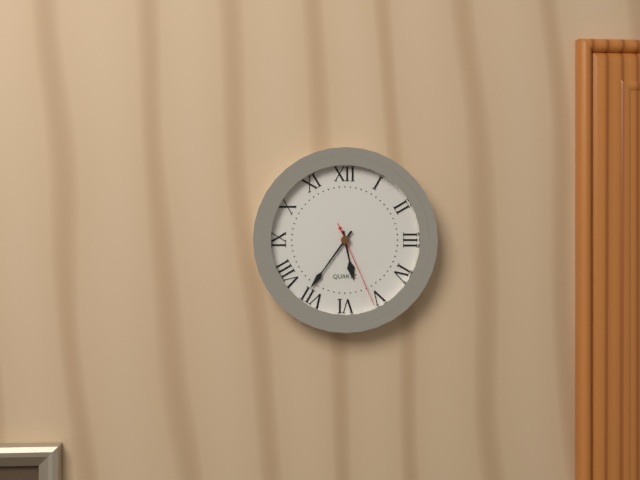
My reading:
5h36m26s
